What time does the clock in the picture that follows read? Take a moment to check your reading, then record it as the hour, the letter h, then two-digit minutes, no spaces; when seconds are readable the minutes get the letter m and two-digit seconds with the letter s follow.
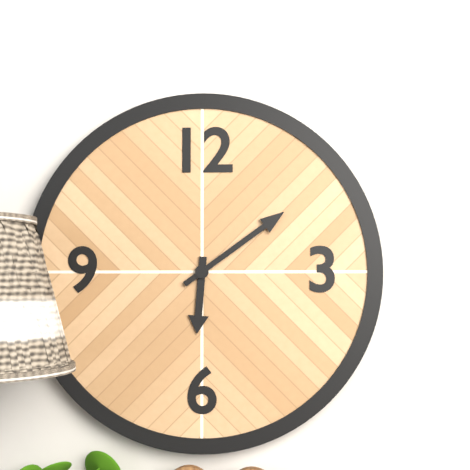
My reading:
6h09
